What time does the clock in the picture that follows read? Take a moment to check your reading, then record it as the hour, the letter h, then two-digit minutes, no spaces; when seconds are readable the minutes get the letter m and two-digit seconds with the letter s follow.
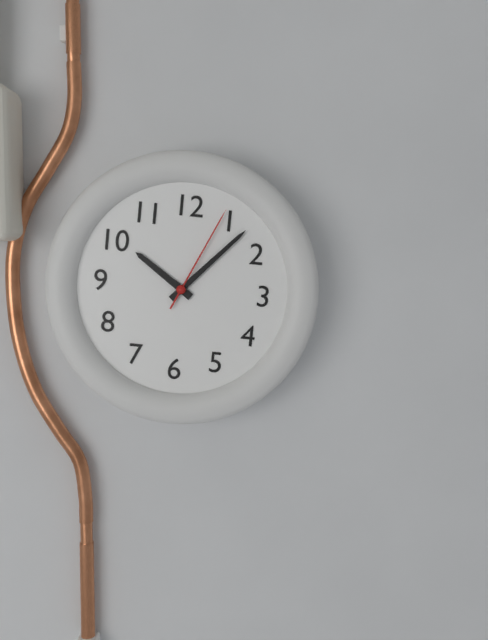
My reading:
10h07m04s
